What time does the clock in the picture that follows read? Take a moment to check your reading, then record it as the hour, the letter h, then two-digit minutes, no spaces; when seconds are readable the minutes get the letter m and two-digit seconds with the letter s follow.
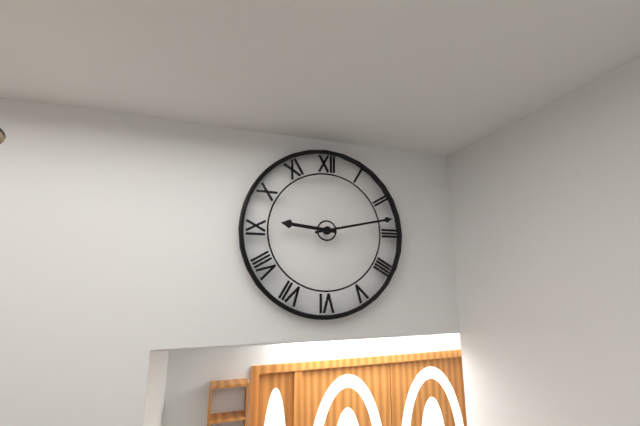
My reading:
9h13
